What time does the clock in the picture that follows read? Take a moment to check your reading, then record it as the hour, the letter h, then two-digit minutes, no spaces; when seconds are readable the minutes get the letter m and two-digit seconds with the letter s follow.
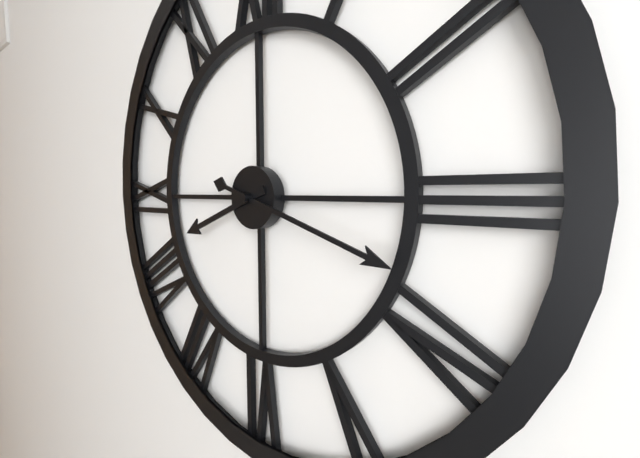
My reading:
8h18
